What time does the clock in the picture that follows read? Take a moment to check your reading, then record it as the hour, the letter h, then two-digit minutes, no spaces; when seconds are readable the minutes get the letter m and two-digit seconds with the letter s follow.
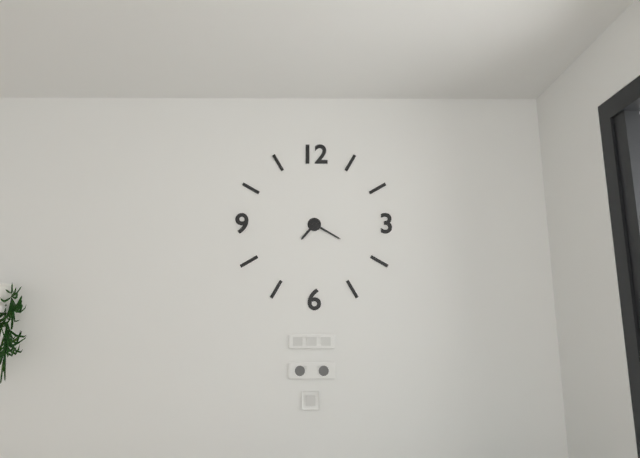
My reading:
7h20
